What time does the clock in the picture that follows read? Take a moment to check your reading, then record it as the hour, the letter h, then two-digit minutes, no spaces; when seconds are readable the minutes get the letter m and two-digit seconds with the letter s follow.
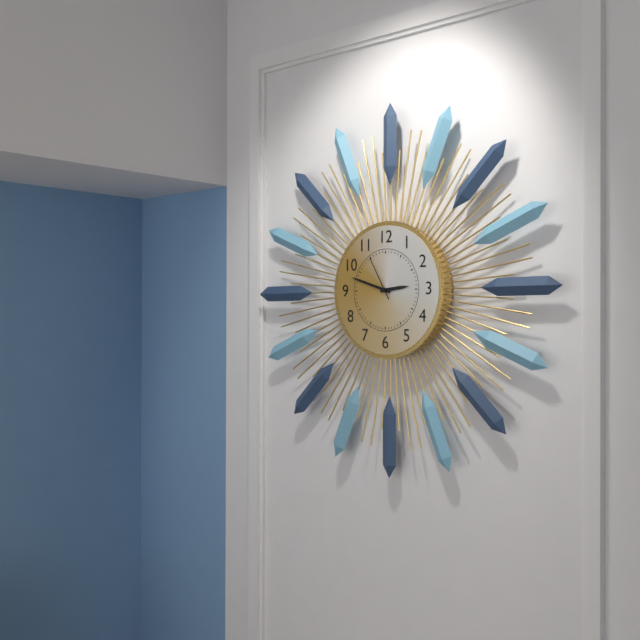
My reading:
2h48
